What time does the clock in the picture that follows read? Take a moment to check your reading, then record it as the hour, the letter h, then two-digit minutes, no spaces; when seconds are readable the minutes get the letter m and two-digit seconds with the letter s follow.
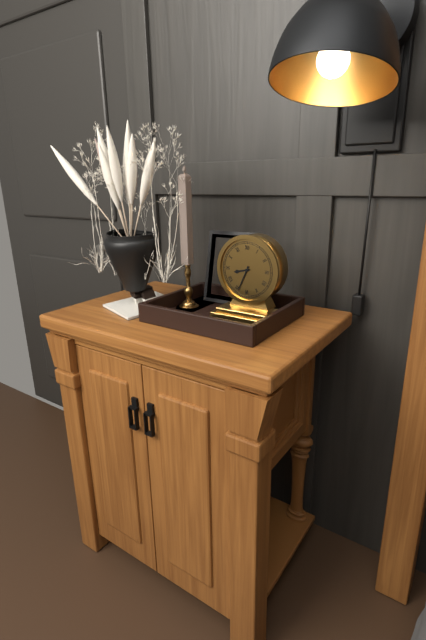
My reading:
8h34
